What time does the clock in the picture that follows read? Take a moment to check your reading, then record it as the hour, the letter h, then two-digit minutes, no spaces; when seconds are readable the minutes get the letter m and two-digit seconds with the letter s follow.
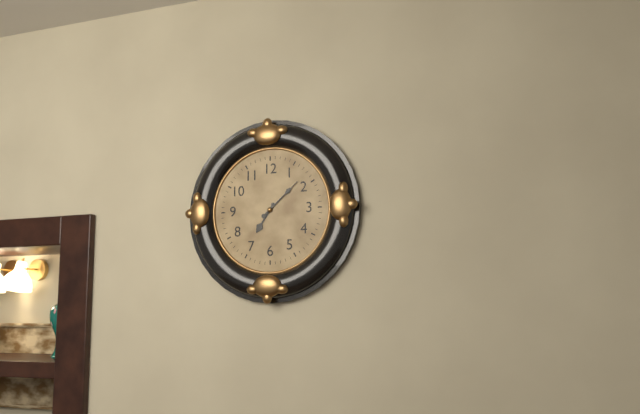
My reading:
7h08
